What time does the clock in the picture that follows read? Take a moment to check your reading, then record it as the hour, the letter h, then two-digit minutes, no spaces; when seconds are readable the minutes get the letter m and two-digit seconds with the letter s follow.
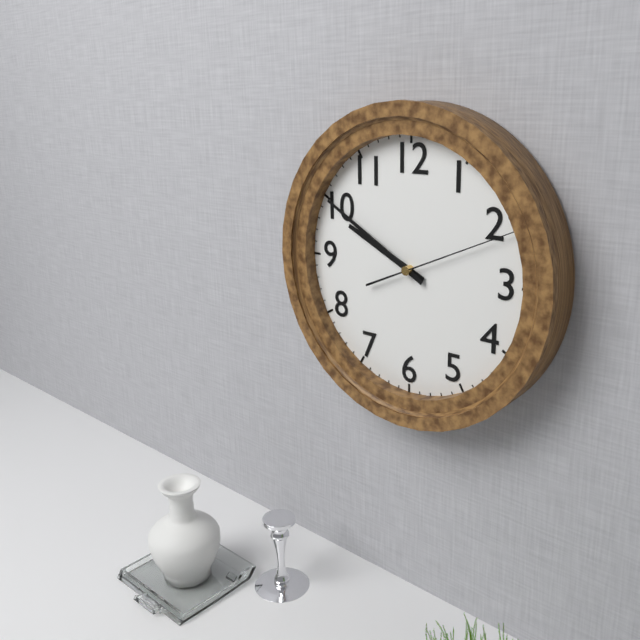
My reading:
9h50m11s
